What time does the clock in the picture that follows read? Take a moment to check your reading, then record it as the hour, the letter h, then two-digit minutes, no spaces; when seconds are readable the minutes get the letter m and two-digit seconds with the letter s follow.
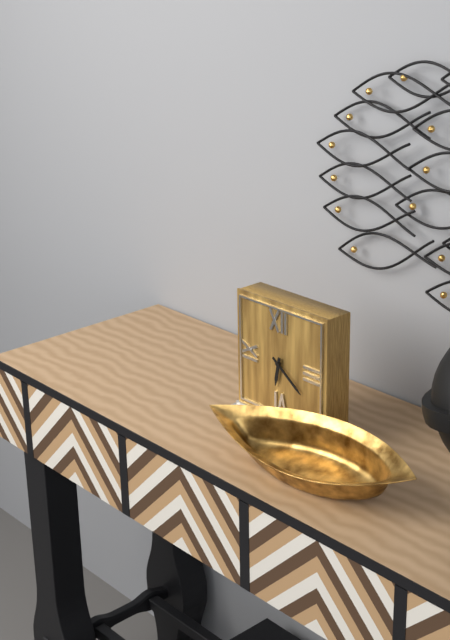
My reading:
6h21
